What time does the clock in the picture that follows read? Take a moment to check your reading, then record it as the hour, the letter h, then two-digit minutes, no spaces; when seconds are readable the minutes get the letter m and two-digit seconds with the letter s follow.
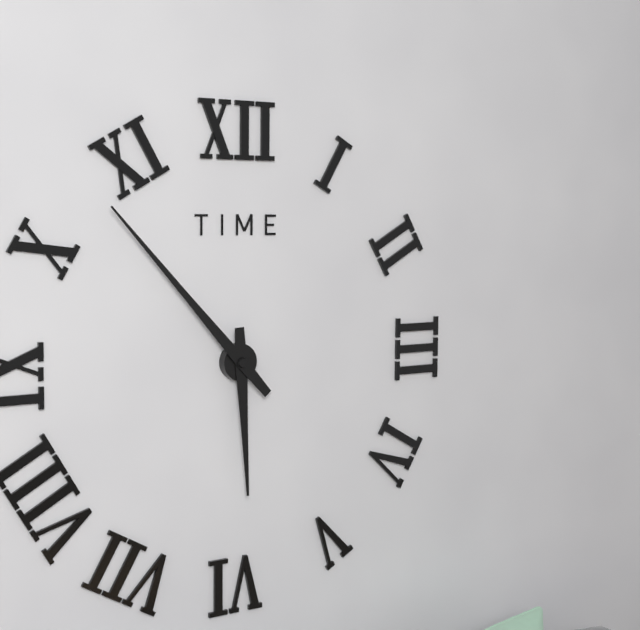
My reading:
5h53
